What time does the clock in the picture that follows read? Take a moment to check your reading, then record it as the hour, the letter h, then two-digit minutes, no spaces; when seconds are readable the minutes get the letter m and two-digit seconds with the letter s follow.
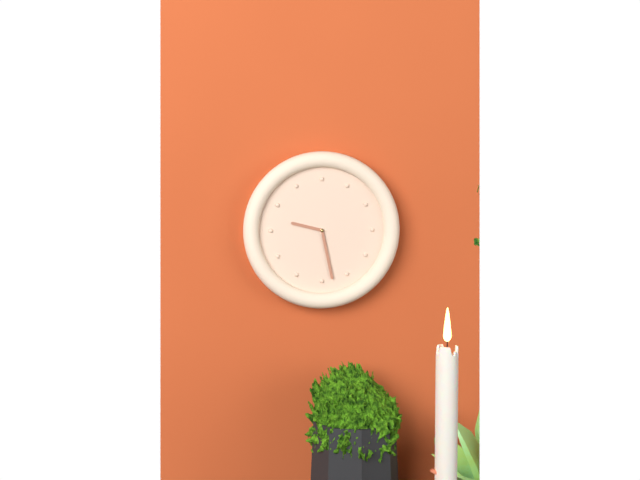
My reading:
9h28
